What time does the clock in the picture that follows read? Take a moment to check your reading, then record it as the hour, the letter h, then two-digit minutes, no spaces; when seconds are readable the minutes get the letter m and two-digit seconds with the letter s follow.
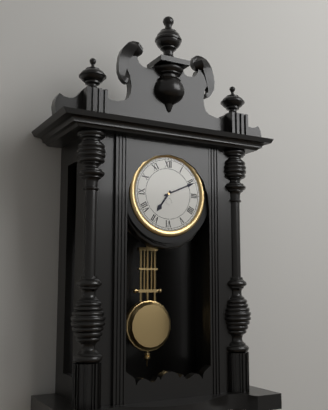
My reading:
7h11
